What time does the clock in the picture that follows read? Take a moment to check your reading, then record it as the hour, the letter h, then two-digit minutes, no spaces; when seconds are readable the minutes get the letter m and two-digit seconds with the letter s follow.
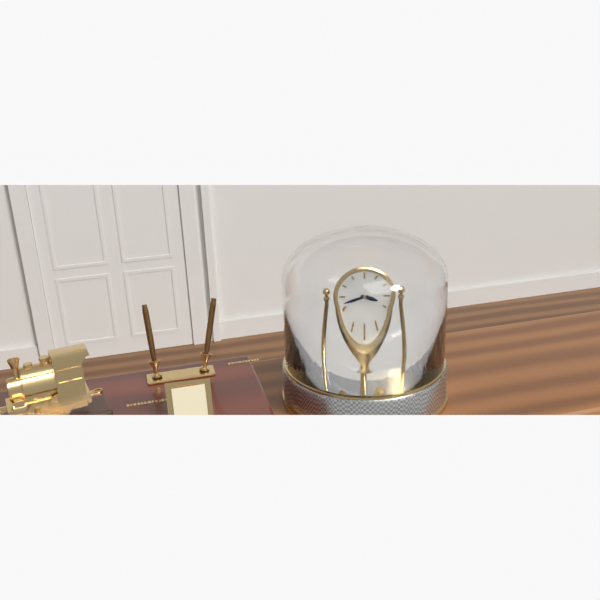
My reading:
3h42
